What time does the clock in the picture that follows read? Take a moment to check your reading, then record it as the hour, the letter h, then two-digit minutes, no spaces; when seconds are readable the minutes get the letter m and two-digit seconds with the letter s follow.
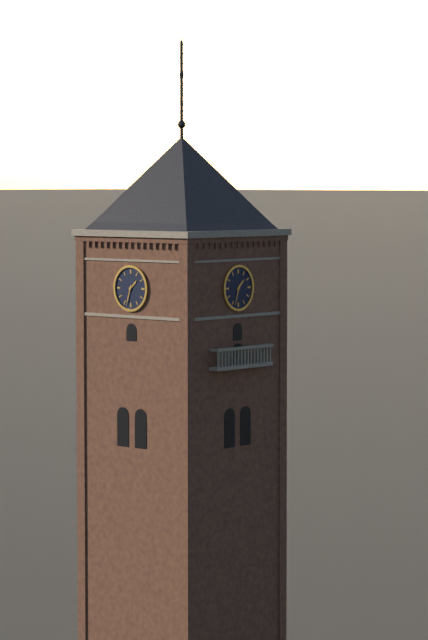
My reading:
1h33
